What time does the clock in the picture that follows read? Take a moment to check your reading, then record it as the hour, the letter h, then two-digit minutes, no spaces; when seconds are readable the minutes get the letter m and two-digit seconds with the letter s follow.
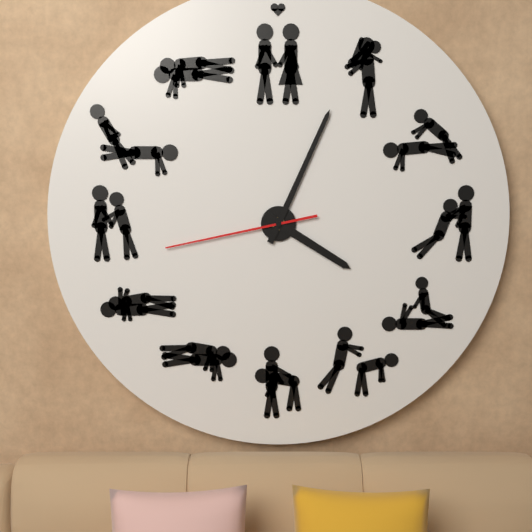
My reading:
4h04m43s
